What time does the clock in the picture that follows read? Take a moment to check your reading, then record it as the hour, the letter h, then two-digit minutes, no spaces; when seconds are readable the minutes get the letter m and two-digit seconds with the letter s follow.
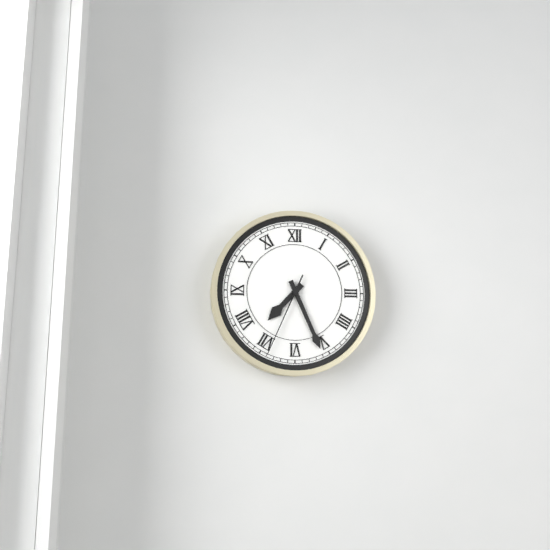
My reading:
7h26m34s
